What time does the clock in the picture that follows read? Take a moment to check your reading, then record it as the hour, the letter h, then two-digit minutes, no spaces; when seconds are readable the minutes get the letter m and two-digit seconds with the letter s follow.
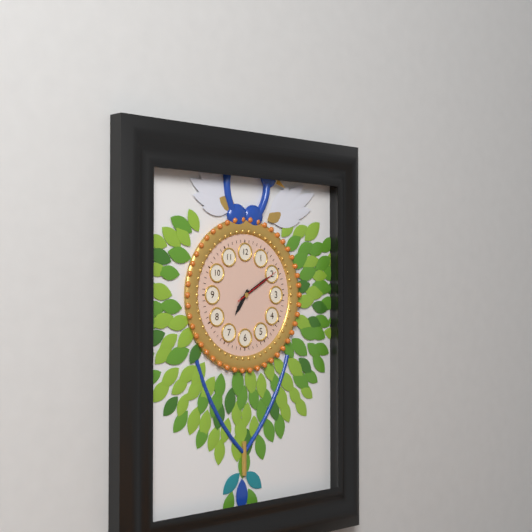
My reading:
7h10
